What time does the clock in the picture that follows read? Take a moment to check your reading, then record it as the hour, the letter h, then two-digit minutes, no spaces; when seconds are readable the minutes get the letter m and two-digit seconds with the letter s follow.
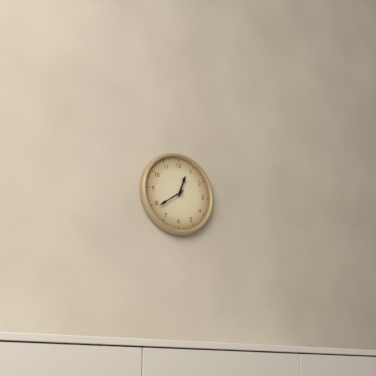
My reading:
12h39
